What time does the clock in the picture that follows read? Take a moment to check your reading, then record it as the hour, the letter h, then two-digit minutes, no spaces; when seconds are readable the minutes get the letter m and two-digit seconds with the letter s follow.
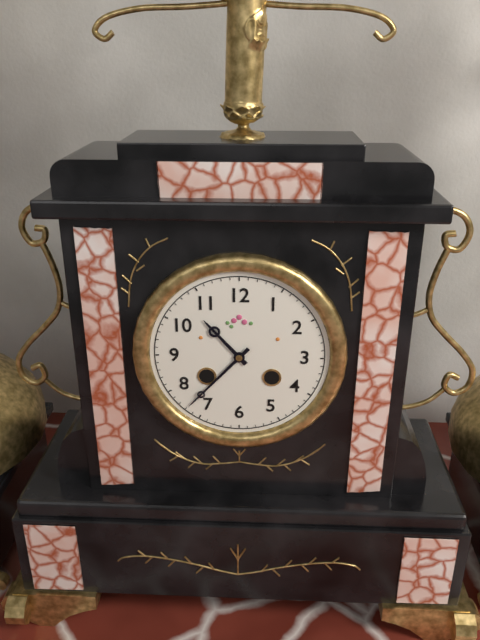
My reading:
10h37
